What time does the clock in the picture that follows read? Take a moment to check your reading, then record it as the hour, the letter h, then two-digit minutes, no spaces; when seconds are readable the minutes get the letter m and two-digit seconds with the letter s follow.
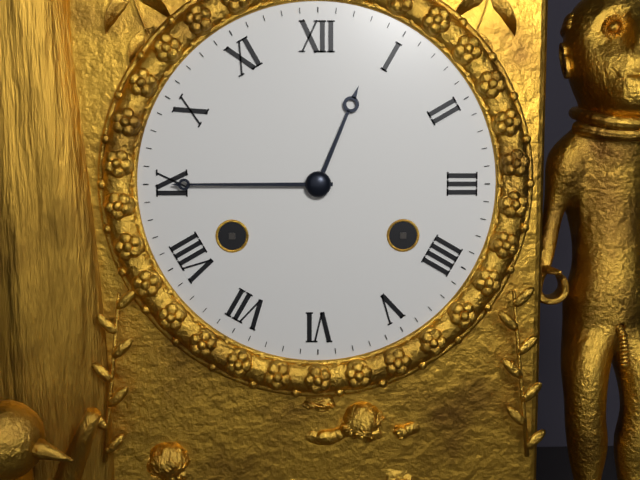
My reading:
12h45
